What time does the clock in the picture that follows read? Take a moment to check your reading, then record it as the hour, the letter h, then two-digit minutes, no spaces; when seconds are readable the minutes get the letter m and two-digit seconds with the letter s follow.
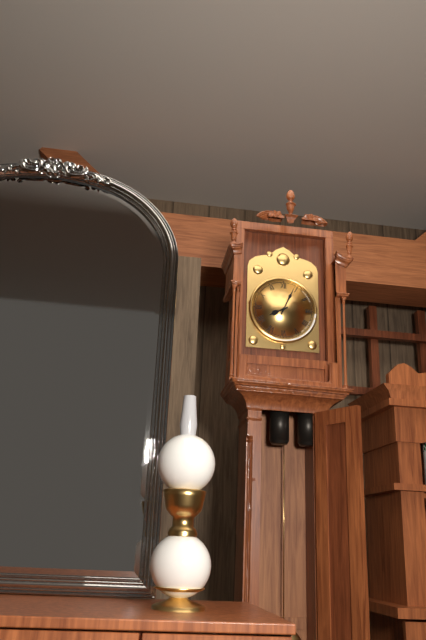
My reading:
8h04
